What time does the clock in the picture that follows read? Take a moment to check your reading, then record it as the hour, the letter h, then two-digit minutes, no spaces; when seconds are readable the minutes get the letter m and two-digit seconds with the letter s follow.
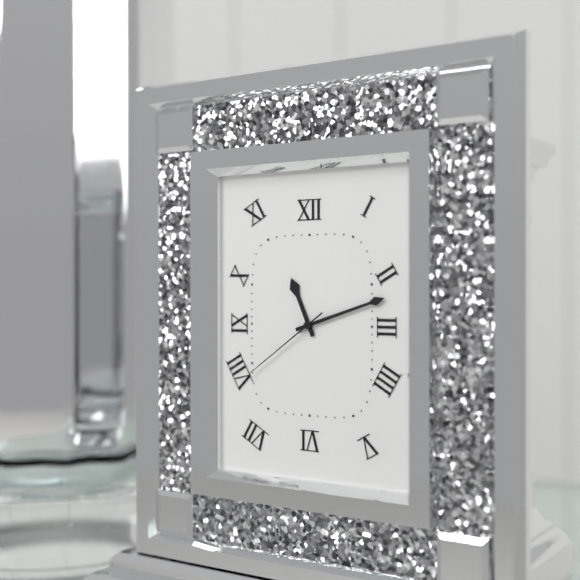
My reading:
11h12m39s
